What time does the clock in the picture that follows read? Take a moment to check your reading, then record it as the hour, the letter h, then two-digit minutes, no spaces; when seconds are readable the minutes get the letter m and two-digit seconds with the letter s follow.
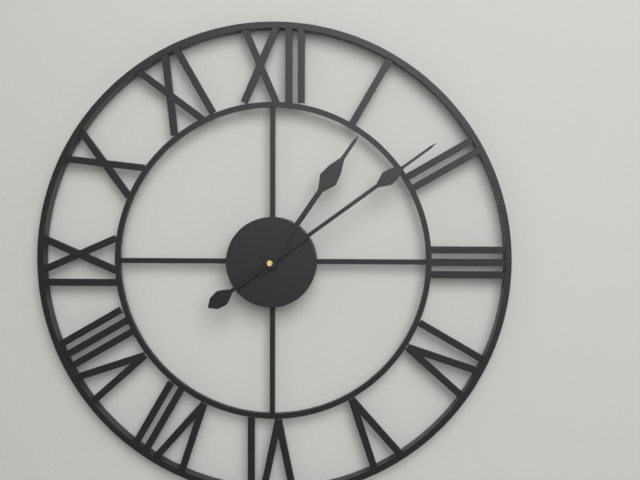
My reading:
1h09
